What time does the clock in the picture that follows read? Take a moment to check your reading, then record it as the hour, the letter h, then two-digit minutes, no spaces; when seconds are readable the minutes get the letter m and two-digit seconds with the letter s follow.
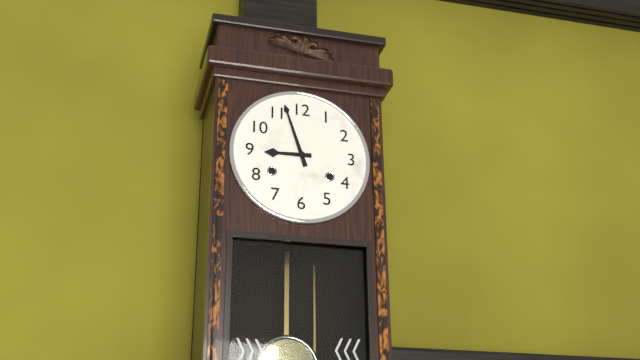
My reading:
8h57
